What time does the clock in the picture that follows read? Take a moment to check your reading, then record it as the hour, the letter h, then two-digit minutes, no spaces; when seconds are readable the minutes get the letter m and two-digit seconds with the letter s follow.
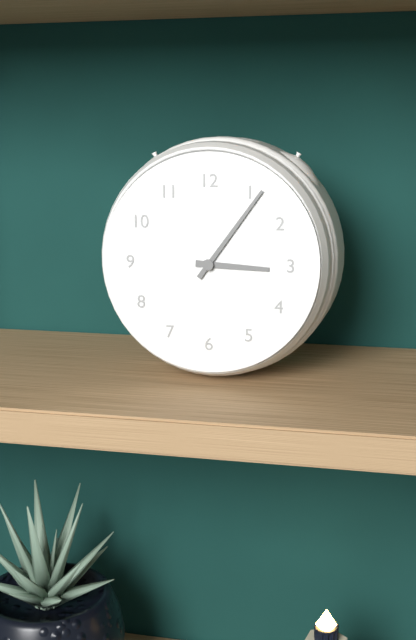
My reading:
3h06
